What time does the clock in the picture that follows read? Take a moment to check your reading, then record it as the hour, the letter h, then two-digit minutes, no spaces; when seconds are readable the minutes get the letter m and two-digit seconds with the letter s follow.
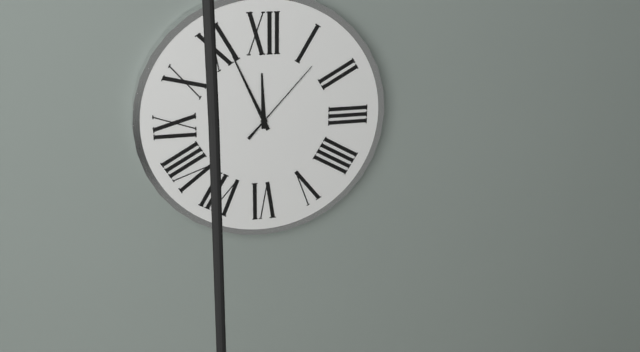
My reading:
11h56m07s
